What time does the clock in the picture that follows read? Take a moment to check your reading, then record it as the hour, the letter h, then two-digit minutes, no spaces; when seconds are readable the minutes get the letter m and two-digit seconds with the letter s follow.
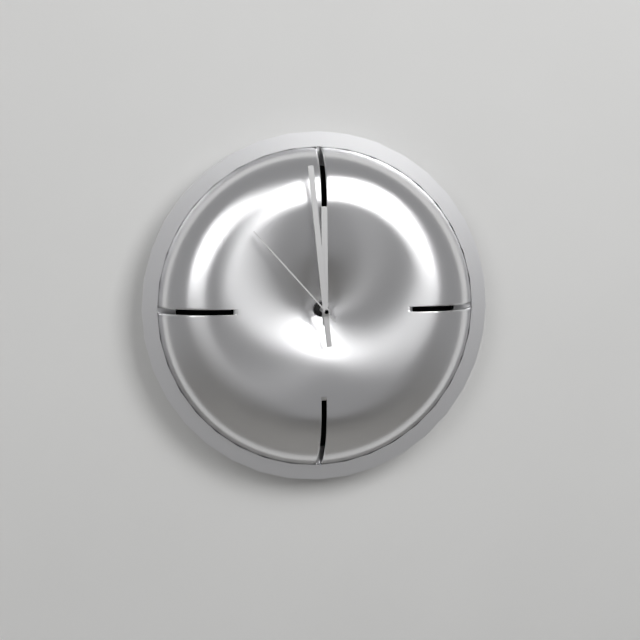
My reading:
11h59m53s
